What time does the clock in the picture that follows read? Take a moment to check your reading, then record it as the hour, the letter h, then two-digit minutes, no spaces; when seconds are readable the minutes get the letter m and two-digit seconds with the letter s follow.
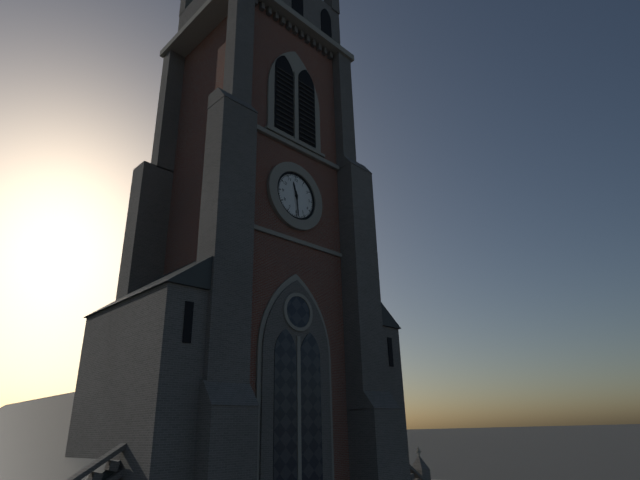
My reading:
11h29
